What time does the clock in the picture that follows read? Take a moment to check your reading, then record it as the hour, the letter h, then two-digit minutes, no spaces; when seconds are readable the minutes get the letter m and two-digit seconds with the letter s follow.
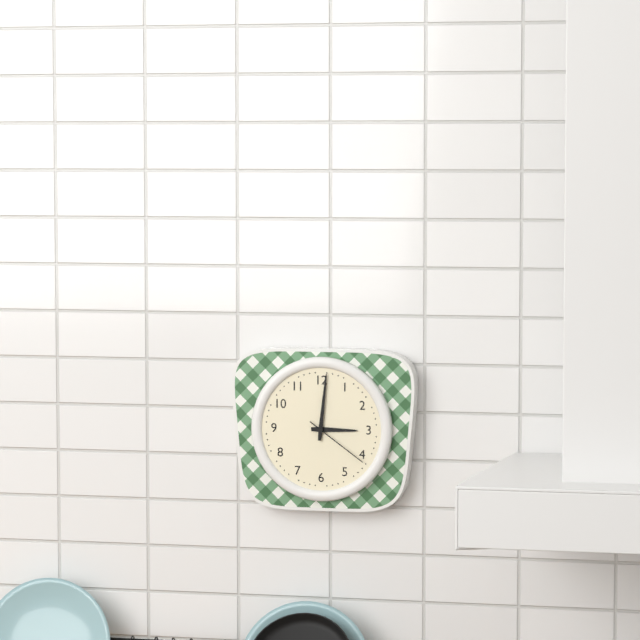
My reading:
3h01m21s
